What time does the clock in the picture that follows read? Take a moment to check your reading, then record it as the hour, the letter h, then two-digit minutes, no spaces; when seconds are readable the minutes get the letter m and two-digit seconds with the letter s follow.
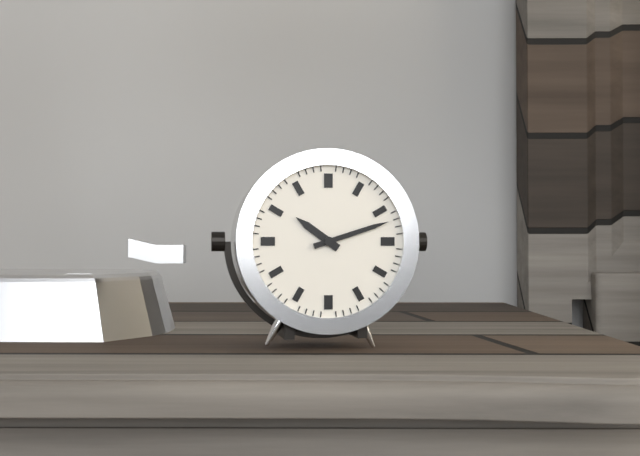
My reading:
10h12
